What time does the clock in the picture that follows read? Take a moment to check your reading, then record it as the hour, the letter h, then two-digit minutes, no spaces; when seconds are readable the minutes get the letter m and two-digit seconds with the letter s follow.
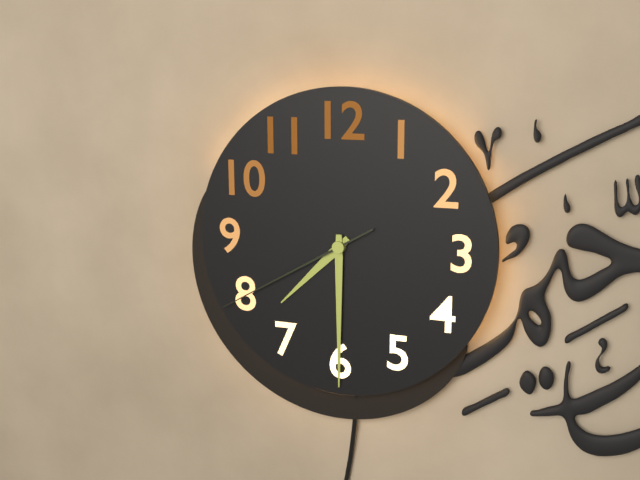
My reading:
7h30m40s
